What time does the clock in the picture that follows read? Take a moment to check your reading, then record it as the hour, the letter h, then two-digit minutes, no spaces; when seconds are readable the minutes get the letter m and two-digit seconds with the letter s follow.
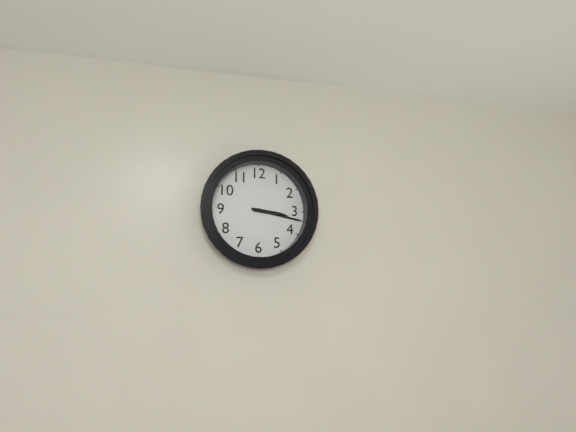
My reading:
3h17
